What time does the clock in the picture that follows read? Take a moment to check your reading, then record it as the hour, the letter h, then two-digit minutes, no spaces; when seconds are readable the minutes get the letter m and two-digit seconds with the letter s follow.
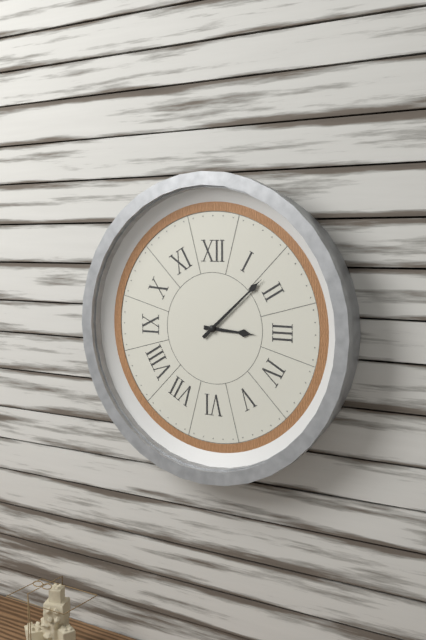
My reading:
3h08
